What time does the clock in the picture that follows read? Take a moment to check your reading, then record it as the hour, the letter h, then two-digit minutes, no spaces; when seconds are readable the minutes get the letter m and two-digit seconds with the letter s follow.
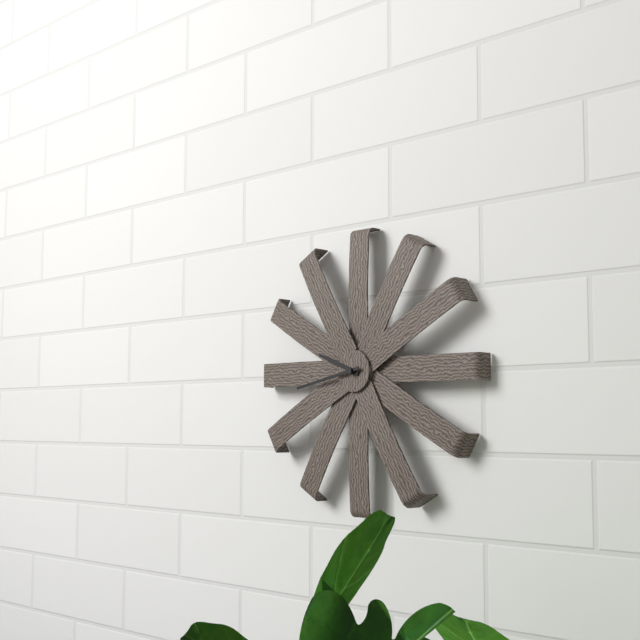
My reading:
9h43
